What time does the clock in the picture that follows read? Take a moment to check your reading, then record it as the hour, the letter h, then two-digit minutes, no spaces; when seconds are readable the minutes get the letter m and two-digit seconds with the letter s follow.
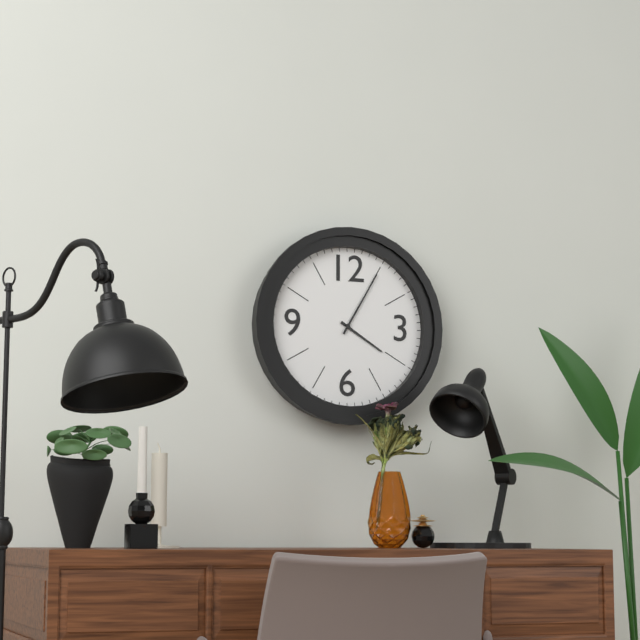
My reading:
4h05
